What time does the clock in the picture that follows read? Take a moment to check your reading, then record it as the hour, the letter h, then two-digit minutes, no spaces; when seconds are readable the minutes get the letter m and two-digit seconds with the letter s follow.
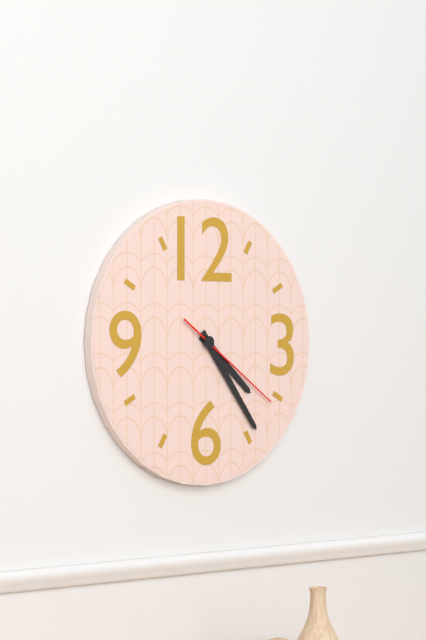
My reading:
4h24m21s
